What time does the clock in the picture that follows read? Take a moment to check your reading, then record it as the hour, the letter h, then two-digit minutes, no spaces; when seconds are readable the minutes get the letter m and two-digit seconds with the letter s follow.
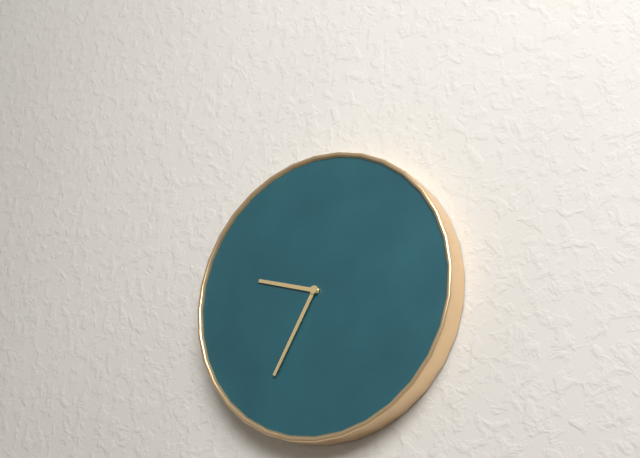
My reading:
9h35
